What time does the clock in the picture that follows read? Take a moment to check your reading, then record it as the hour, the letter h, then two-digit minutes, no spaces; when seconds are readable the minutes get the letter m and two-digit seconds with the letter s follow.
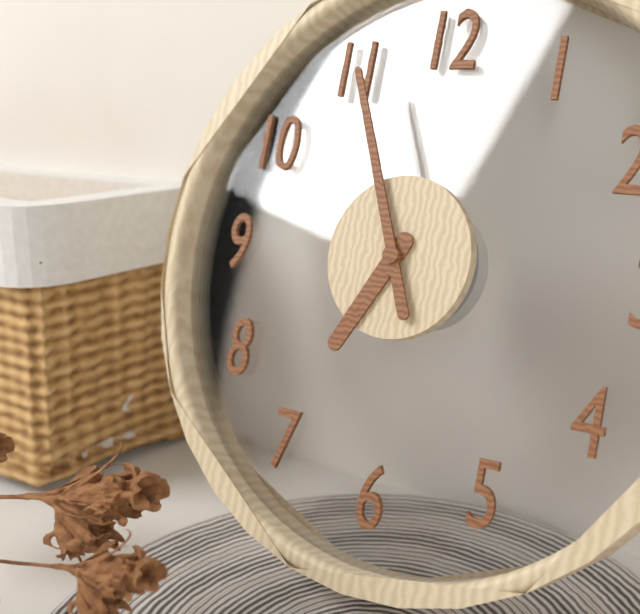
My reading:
6h56
